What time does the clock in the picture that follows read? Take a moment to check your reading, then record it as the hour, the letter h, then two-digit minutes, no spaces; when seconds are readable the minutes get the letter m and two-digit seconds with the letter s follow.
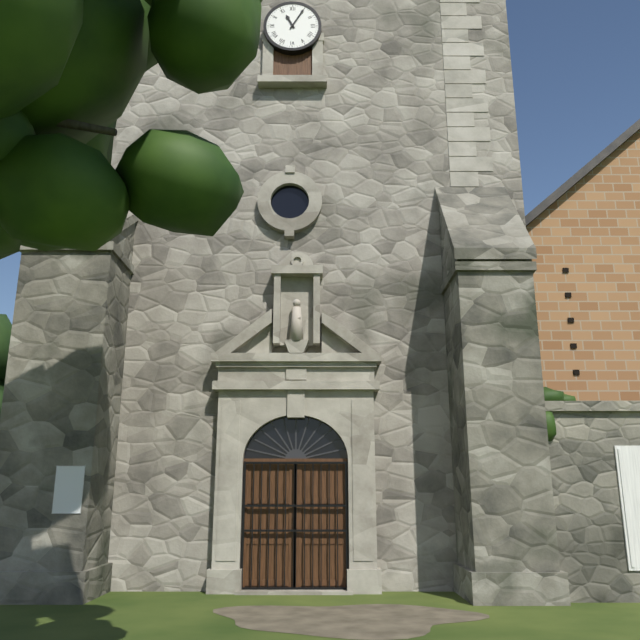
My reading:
11h05
